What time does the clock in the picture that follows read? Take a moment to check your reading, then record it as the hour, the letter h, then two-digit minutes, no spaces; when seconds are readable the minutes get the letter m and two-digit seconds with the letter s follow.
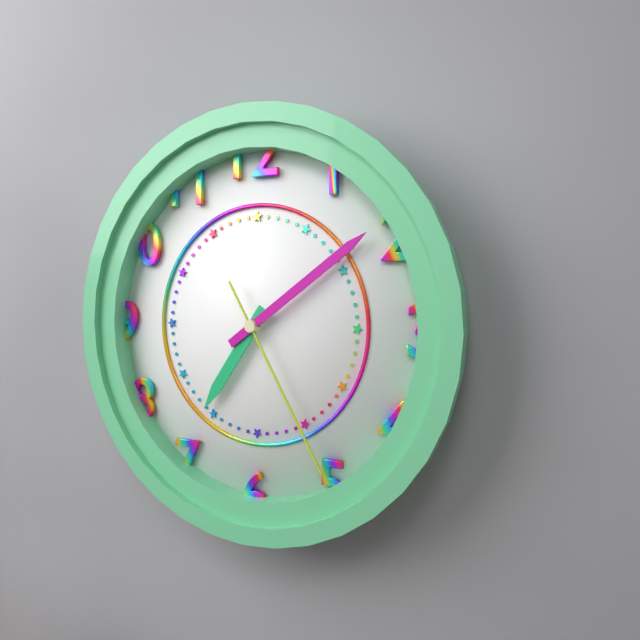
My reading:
7h09m25s
